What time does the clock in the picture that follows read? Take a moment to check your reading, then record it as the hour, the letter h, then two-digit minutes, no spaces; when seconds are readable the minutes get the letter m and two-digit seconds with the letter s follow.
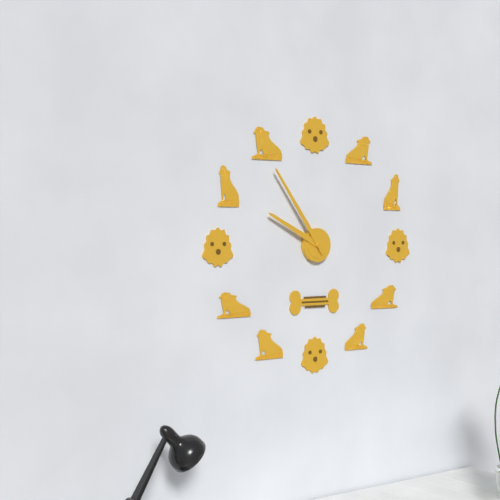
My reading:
9h54
